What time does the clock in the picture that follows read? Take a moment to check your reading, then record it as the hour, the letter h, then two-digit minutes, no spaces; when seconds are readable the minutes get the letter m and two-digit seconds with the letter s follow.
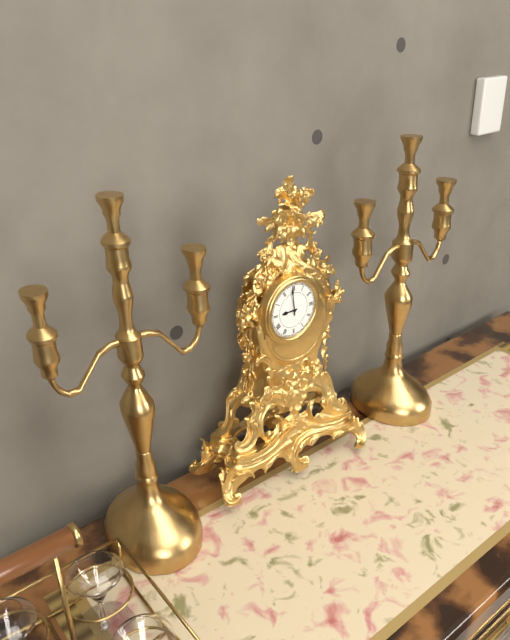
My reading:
8h59
